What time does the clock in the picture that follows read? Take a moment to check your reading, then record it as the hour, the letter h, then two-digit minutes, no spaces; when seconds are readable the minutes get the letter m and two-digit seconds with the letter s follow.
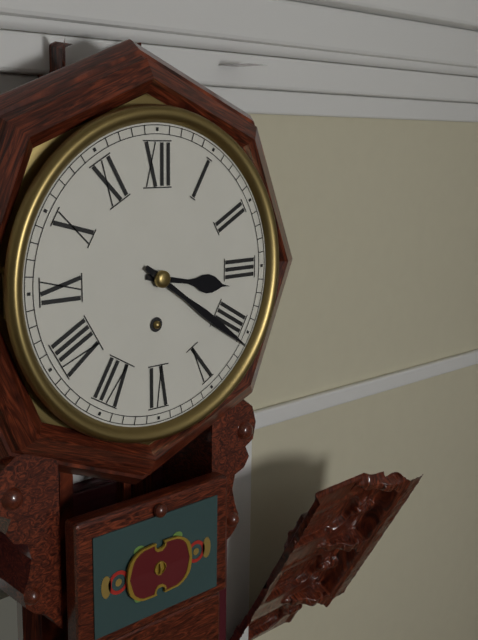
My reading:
3h21
